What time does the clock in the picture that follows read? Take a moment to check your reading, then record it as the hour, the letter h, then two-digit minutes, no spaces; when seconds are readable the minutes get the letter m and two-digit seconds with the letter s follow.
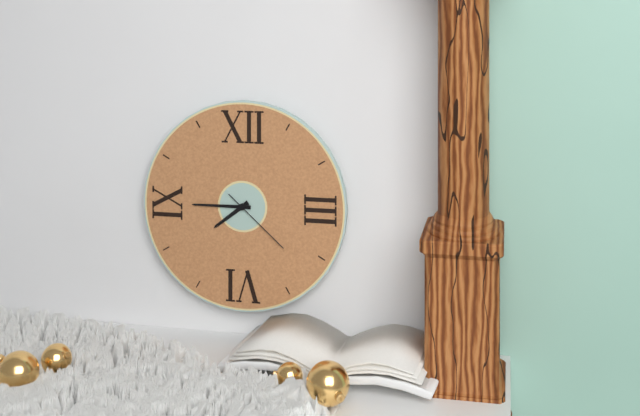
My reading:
7h45m22s
